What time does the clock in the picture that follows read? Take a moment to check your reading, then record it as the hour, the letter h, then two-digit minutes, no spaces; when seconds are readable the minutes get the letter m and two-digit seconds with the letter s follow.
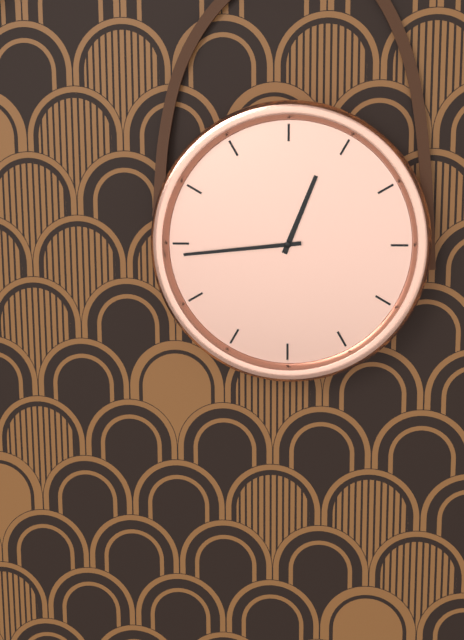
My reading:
12h44
